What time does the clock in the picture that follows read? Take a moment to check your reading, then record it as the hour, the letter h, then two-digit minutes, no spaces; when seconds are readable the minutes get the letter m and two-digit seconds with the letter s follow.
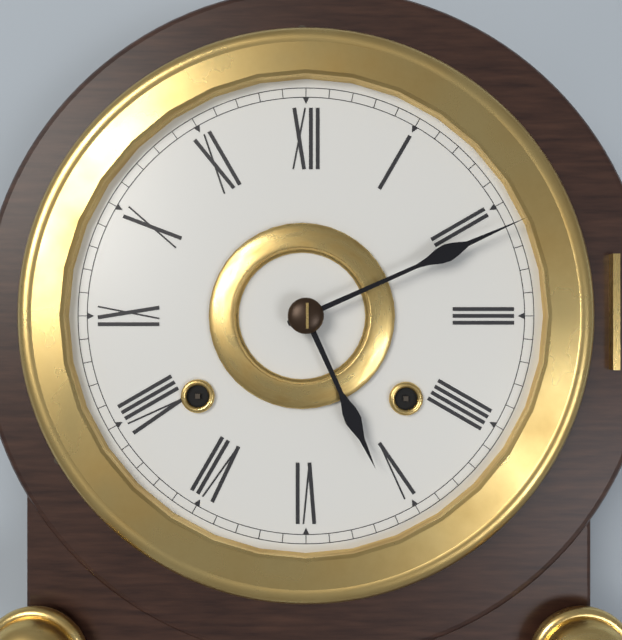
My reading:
5h11
